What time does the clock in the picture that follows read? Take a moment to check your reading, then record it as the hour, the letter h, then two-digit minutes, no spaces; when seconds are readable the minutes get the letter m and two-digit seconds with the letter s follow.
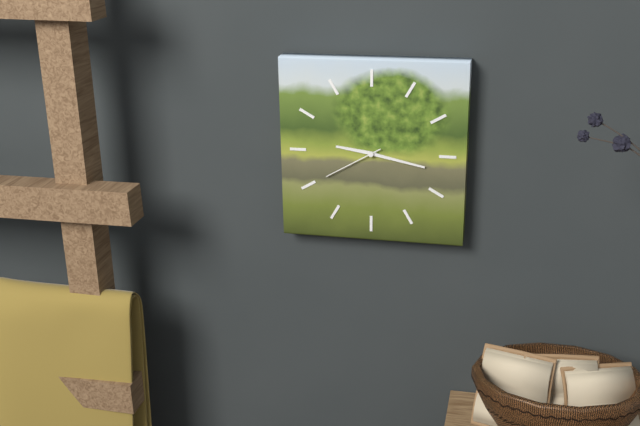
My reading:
9h17m40s
